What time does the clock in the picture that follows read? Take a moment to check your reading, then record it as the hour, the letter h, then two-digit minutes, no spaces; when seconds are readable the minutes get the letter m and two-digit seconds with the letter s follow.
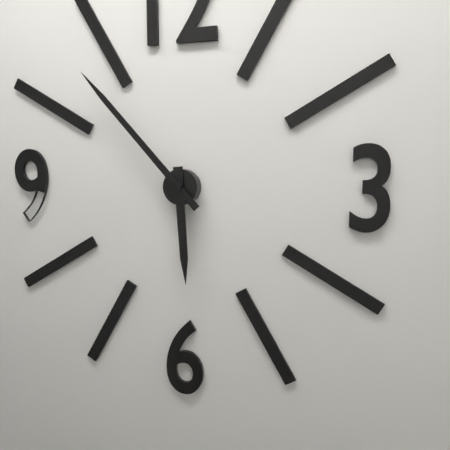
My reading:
5h53
